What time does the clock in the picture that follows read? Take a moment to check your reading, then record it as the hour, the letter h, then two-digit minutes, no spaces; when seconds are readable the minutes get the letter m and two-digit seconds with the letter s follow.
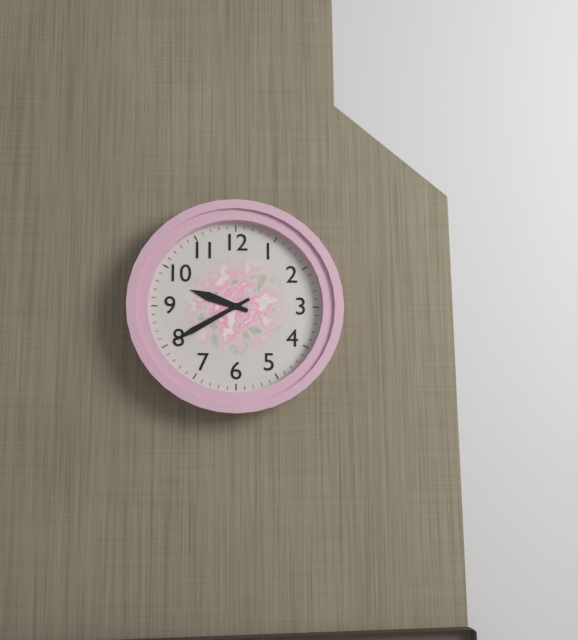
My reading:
9h40
